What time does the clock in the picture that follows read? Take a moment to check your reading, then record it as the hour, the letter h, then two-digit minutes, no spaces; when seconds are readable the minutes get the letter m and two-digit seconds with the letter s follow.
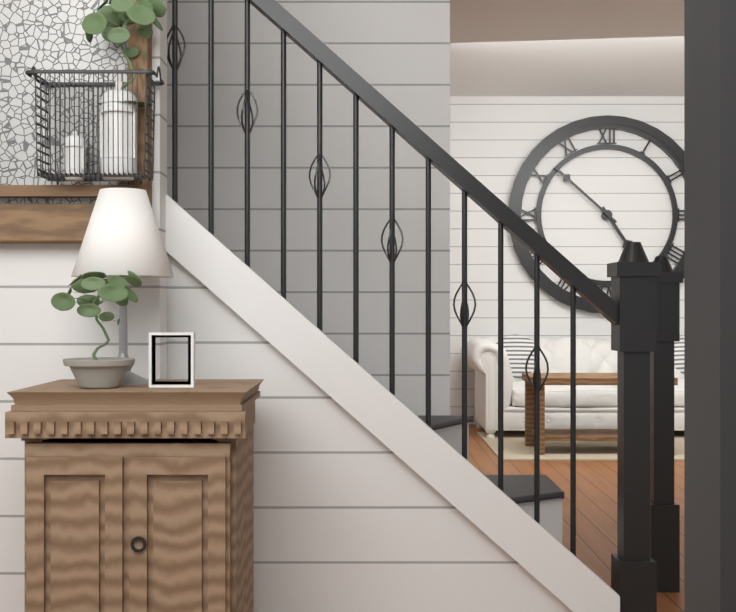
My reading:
4h52
